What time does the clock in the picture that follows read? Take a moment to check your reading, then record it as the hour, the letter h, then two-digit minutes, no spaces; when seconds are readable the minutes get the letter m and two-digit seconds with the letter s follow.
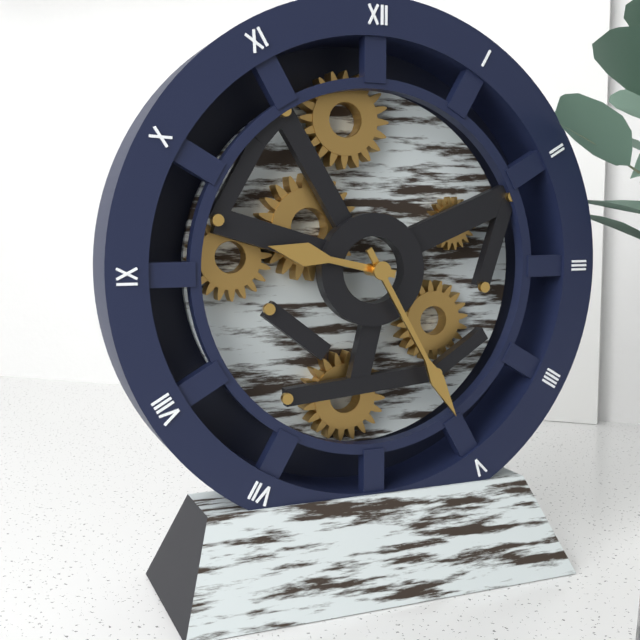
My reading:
9h25
